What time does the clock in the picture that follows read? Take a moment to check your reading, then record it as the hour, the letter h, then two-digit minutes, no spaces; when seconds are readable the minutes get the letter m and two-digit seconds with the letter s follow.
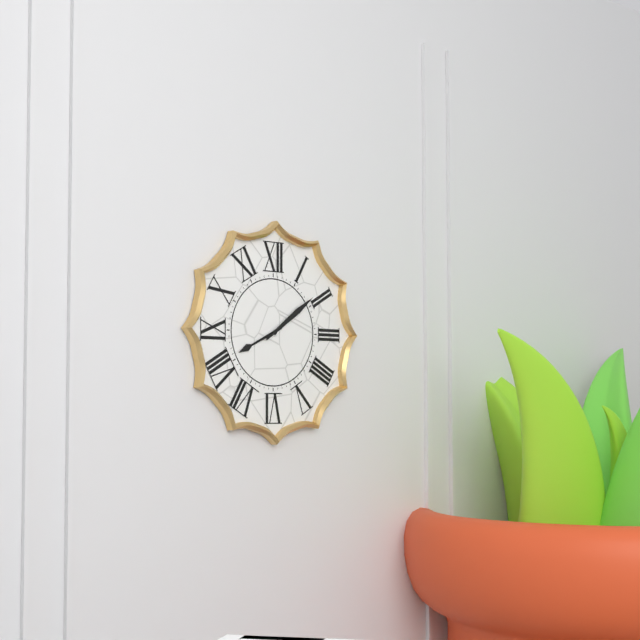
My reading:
8h09
